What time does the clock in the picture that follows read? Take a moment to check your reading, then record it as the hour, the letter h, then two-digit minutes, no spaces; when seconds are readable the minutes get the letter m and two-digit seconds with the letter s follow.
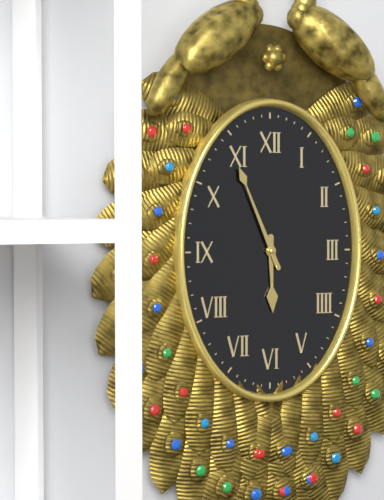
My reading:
5h56
